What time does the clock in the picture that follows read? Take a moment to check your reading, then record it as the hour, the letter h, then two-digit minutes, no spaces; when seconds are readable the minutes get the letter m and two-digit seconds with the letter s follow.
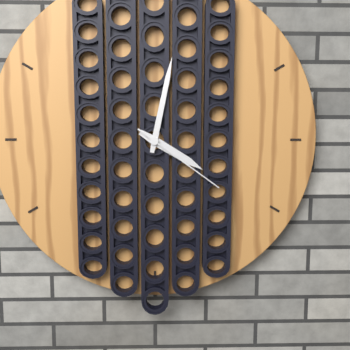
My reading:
4h02m21s
